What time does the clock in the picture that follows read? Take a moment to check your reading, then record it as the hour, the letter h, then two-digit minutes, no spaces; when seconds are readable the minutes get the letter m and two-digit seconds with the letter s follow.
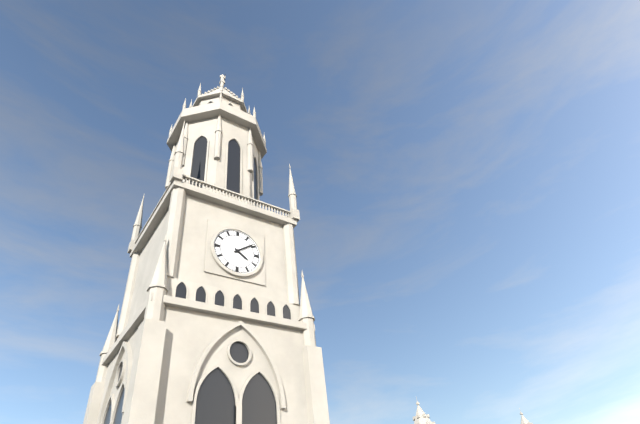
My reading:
4h09
